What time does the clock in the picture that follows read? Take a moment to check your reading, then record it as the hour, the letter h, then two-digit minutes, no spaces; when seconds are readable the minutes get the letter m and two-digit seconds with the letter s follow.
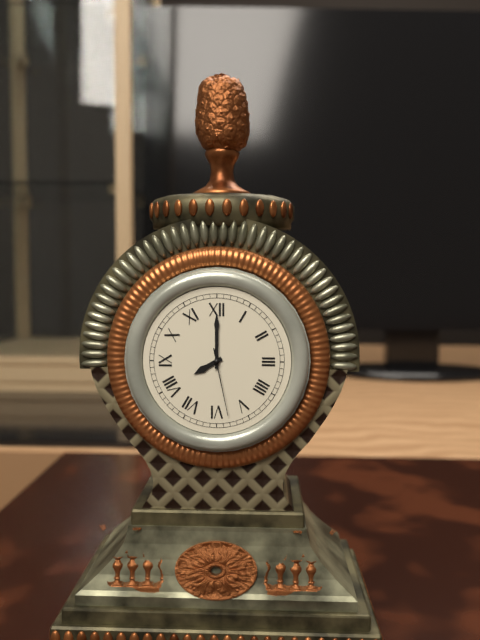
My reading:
8h00m28s
